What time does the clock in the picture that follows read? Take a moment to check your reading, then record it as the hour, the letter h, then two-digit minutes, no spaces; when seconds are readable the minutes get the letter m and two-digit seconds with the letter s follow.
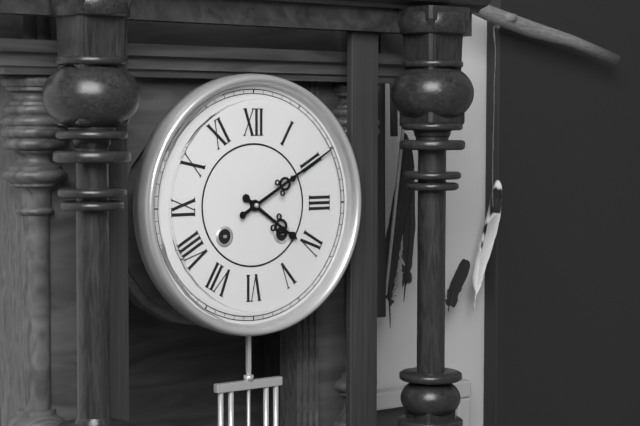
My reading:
4h10
